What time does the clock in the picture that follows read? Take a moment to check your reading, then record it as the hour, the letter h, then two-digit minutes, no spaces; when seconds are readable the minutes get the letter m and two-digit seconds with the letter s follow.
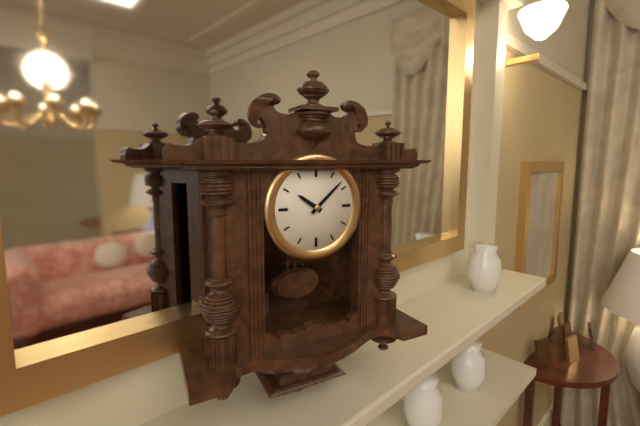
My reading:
10h08
